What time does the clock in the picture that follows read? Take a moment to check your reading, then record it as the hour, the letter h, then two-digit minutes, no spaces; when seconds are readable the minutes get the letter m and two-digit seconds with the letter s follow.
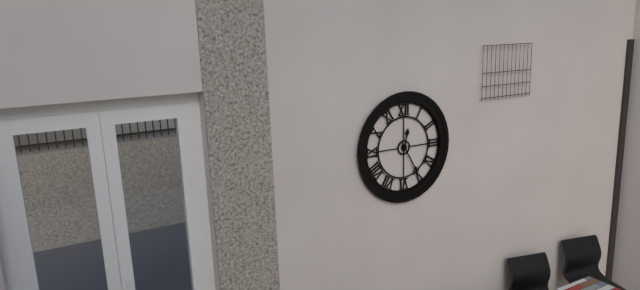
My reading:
12h25
